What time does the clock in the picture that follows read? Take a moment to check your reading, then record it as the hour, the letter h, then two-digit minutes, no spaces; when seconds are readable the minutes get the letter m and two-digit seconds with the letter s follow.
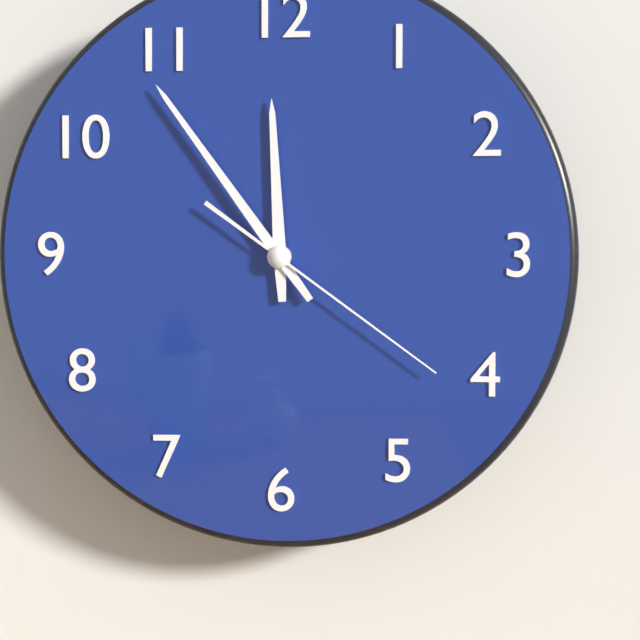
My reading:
11h54m21s
